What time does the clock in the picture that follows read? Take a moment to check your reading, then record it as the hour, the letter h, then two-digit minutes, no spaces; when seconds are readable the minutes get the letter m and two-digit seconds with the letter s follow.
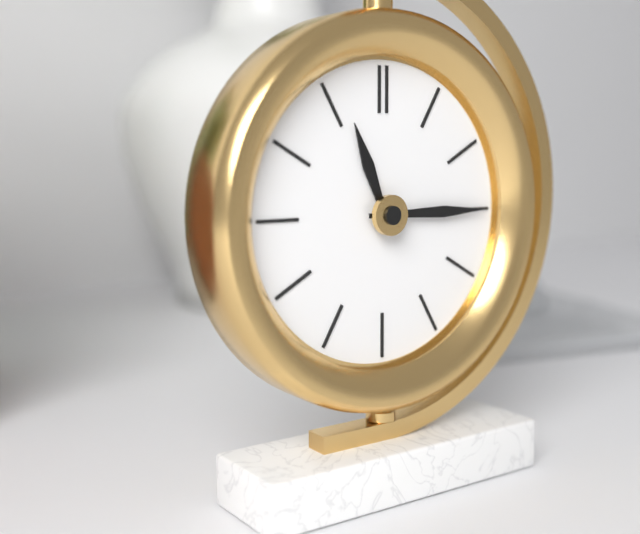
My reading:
11h15
